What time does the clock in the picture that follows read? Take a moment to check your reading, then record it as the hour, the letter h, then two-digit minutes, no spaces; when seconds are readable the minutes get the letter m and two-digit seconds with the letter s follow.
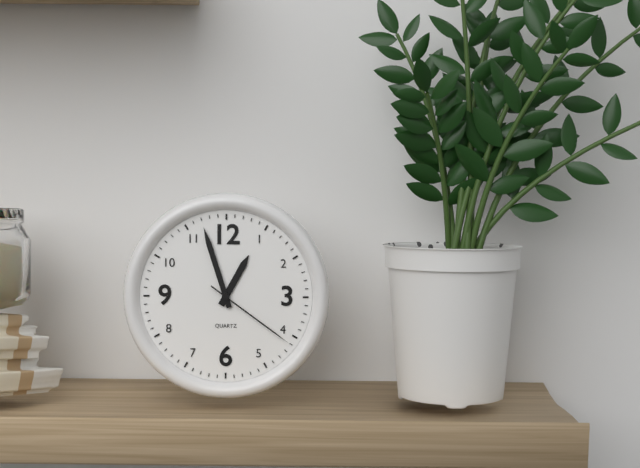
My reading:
12h57m21s
